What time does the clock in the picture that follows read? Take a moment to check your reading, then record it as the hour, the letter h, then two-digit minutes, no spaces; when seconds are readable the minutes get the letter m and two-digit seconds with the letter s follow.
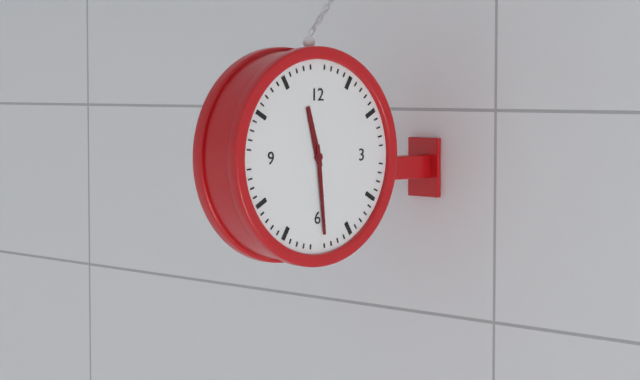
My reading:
11h29
